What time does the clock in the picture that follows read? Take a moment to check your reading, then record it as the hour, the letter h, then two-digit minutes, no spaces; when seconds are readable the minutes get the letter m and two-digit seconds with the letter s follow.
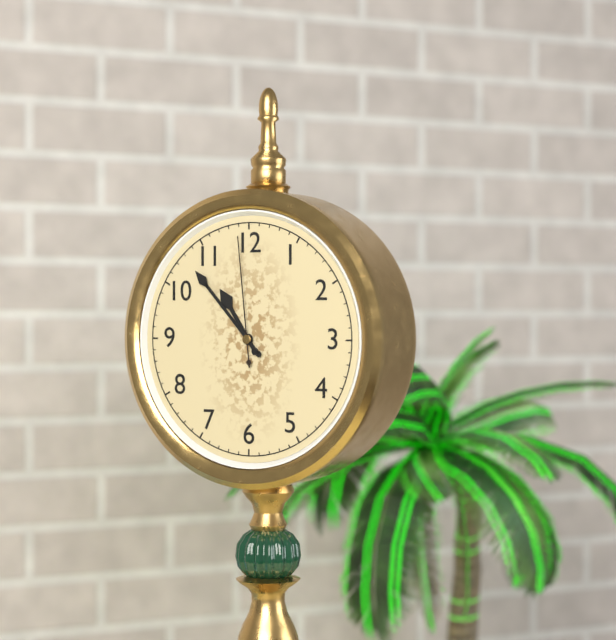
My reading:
10h53m59s
